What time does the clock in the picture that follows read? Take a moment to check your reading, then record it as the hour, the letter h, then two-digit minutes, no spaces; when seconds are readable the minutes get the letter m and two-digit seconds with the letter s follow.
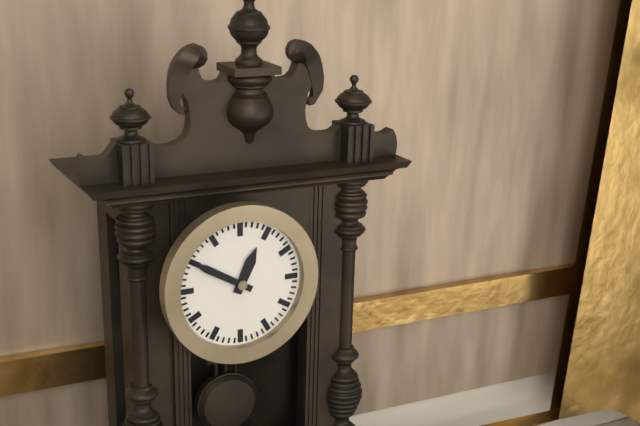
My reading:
12h50
